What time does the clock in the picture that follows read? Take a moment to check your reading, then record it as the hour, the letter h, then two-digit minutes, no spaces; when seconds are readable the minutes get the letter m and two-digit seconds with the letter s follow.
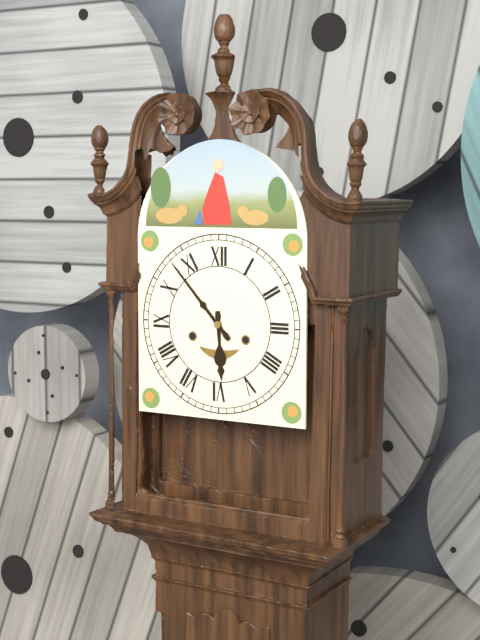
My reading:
5h53
